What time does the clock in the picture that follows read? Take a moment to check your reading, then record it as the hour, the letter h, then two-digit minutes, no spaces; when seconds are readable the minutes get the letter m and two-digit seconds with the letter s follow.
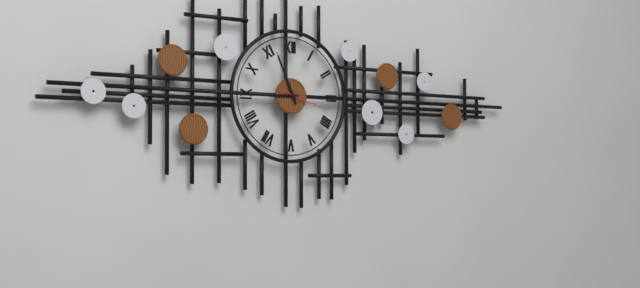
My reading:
8h56
